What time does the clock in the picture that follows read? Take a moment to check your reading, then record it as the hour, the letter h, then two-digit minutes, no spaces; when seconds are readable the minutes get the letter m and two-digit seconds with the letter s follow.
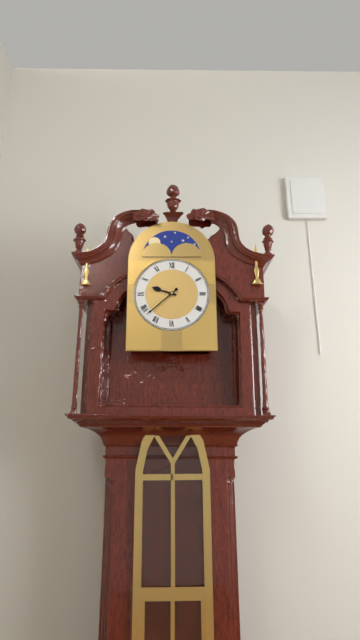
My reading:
9h38
